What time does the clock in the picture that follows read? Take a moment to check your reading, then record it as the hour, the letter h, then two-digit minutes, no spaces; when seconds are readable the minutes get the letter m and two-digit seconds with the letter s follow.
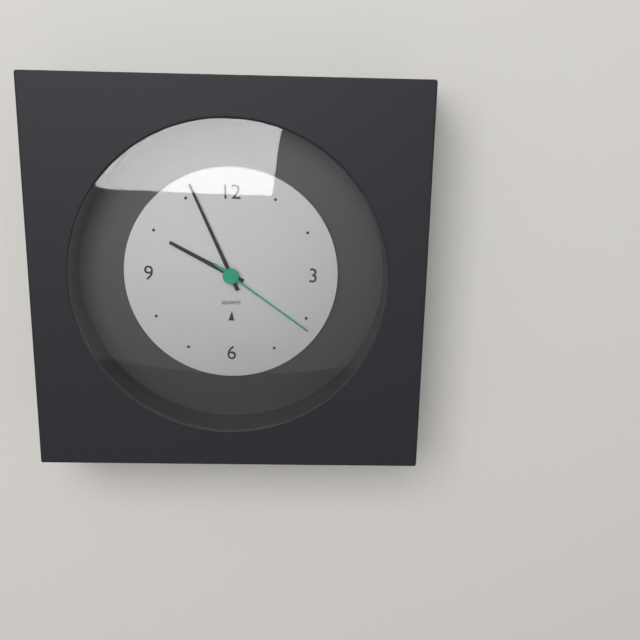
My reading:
9h56m21s
